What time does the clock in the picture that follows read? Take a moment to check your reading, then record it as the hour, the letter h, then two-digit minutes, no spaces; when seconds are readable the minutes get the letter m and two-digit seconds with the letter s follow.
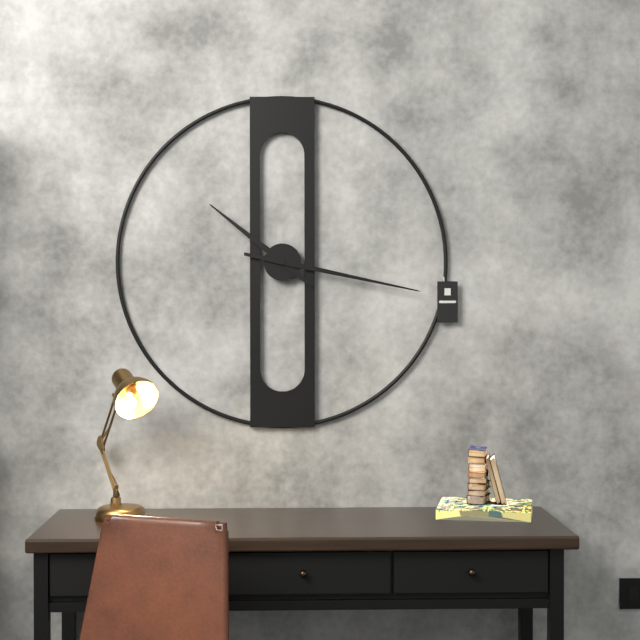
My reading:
10h17
